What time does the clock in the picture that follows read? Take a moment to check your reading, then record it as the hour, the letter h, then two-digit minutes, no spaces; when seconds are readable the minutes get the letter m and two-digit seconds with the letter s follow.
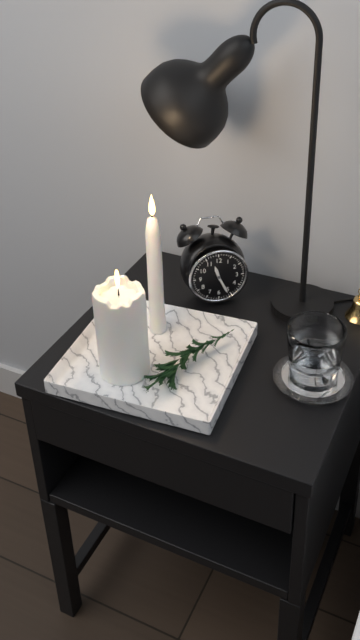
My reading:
11h26
